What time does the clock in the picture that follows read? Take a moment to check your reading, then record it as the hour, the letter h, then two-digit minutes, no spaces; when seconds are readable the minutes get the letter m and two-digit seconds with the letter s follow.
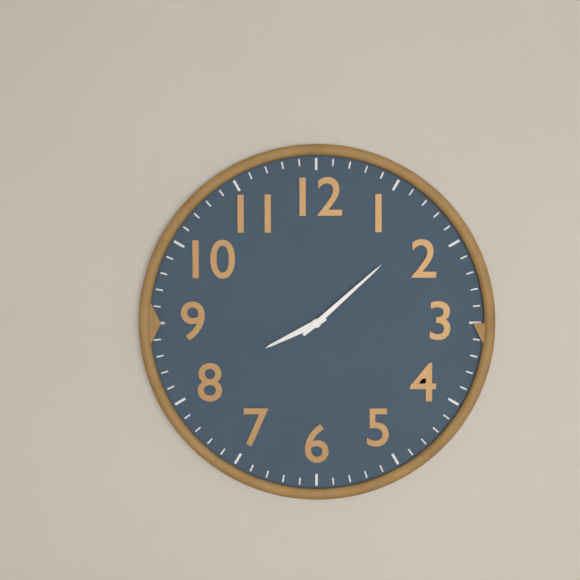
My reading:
8h08
